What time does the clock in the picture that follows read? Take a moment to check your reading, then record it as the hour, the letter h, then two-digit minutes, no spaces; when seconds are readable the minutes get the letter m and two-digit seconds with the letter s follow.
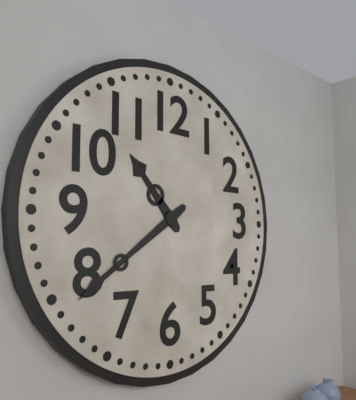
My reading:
10h39
